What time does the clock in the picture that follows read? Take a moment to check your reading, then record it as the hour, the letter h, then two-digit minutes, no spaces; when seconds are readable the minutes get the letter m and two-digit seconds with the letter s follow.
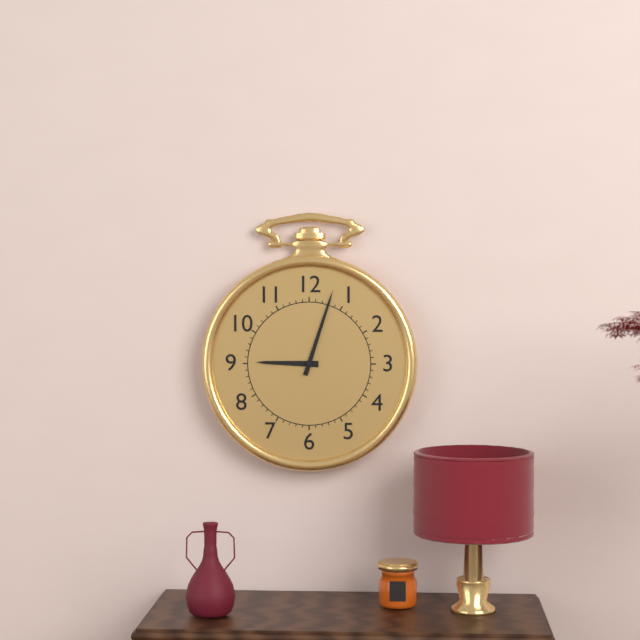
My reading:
9h03
